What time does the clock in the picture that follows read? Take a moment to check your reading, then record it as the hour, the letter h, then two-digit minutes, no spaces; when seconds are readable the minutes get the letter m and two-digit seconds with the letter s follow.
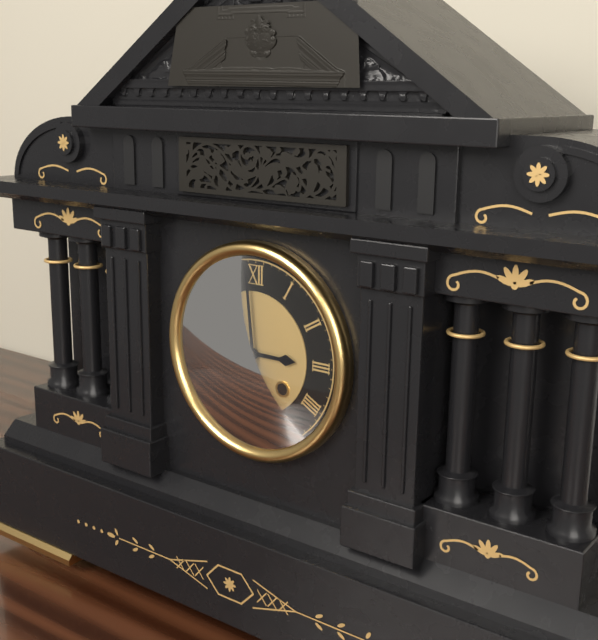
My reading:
2h59
